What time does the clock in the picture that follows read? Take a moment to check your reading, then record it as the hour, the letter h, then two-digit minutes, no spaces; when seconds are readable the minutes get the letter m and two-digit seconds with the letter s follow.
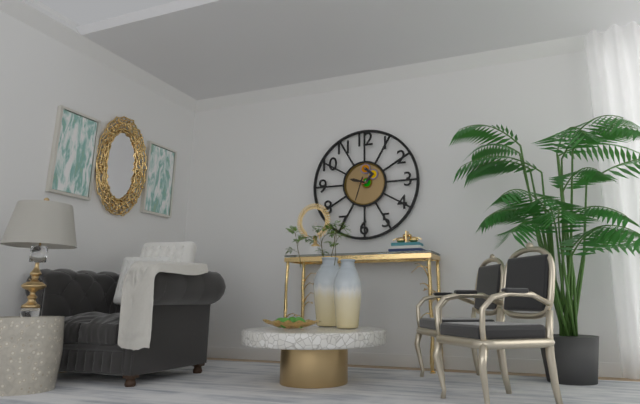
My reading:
9h33
